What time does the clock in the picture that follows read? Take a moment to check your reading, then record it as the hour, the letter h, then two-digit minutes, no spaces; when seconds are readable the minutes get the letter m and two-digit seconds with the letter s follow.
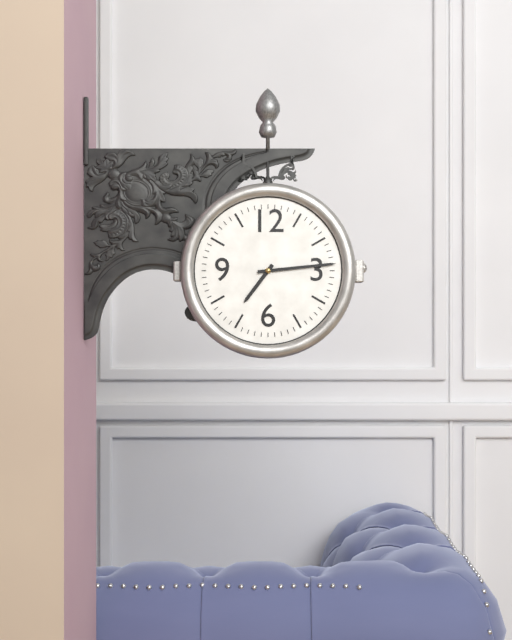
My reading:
7h14
